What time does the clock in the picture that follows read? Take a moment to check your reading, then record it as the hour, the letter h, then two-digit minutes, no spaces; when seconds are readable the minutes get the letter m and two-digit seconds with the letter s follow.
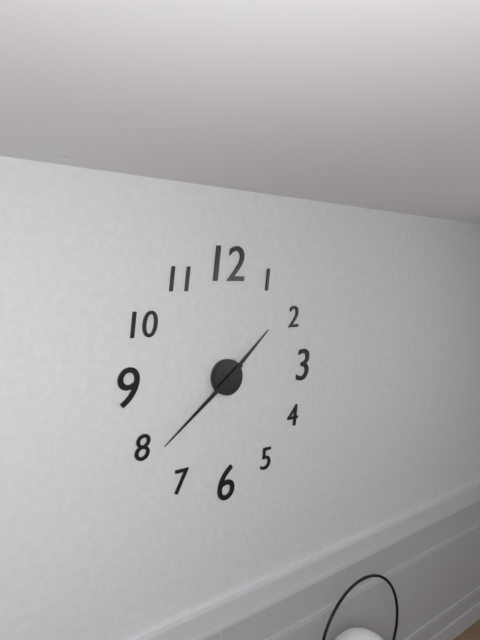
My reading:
1h39
